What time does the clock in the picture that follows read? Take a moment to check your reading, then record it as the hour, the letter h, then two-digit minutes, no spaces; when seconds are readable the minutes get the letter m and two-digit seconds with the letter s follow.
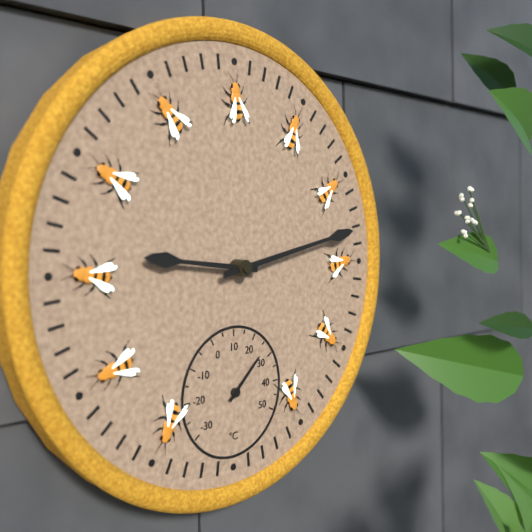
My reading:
9h13
